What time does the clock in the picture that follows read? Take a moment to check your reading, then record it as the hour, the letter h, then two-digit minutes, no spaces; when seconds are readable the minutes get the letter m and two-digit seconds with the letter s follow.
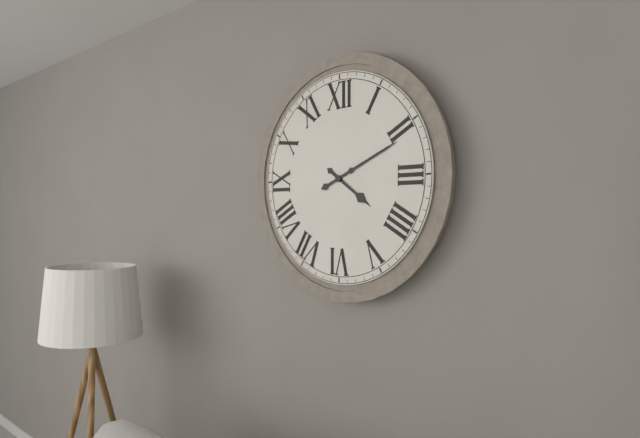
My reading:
4h11
